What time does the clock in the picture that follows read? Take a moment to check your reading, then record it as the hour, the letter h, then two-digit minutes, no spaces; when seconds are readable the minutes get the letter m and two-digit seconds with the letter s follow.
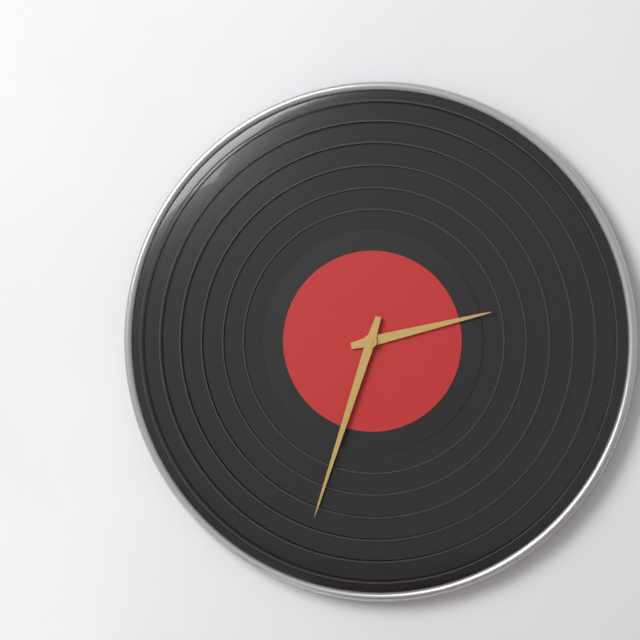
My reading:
2h33
